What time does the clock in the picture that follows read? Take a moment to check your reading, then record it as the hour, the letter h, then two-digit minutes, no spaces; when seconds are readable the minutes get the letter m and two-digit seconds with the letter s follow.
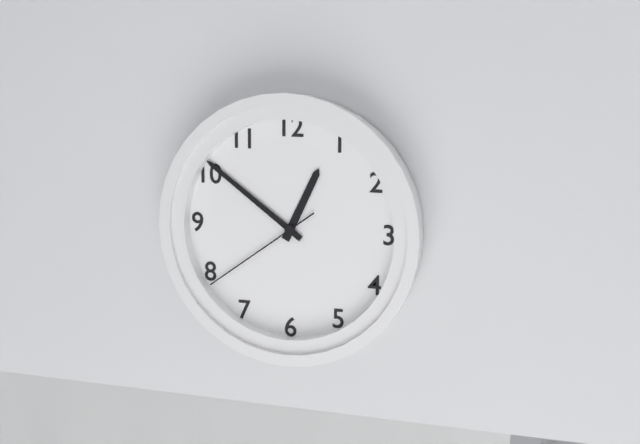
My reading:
12h51m39s
